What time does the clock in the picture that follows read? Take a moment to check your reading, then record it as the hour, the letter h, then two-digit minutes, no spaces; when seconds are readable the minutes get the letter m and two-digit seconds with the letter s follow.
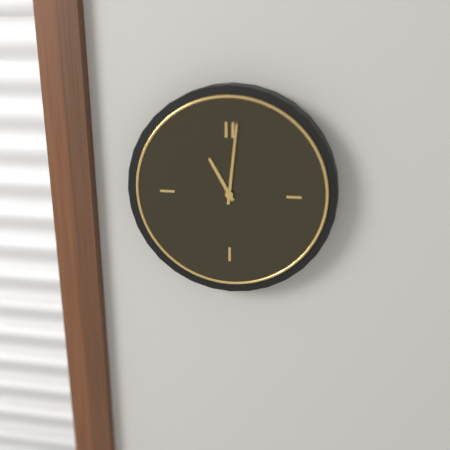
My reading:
11h01
